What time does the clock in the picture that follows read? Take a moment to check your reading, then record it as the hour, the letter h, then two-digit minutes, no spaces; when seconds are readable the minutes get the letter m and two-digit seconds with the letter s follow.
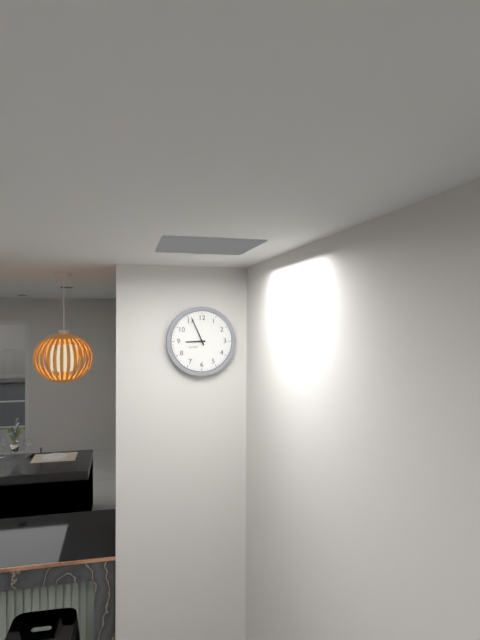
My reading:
8h56
